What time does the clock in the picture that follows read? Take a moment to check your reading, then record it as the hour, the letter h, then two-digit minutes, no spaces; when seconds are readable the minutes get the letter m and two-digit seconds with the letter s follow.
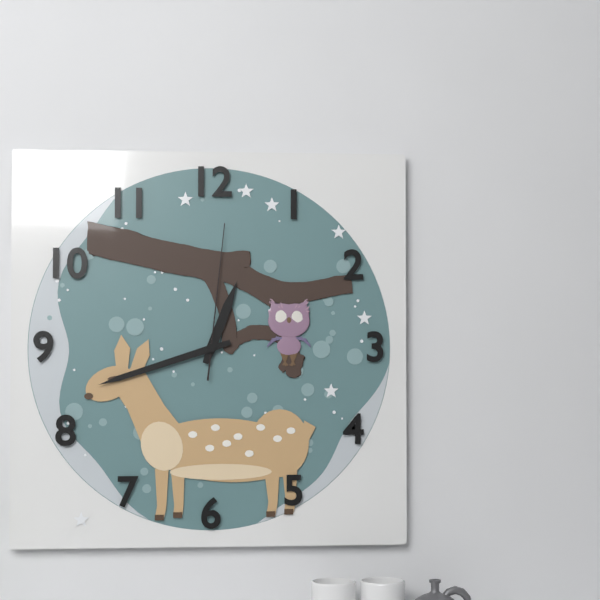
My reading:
12h42m01s
